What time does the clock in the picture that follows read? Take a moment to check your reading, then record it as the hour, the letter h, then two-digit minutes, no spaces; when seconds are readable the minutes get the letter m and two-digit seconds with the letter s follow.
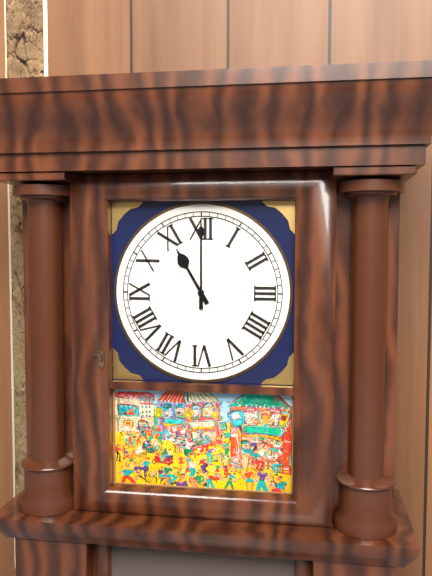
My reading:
11h00
